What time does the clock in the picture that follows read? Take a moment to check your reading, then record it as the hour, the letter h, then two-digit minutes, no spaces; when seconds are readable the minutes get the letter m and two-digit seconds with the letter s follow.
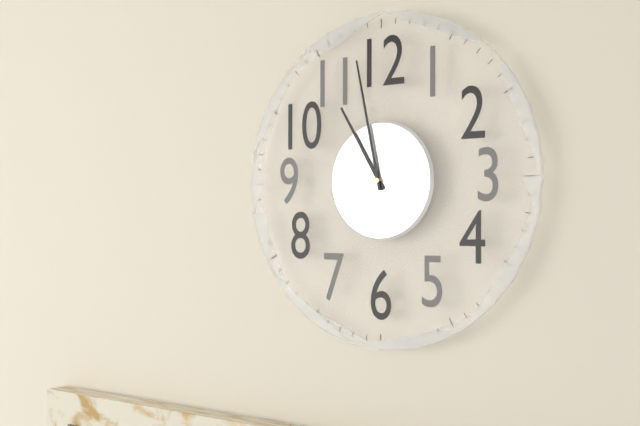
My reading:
10h58
